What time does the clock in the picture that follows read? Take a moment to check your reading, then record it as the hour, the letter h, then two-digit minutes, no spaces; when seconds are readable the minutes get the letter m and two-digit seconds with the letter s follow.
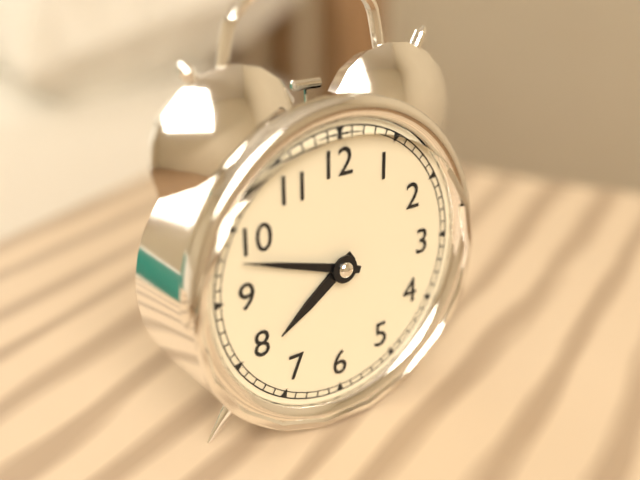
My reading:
7h48
